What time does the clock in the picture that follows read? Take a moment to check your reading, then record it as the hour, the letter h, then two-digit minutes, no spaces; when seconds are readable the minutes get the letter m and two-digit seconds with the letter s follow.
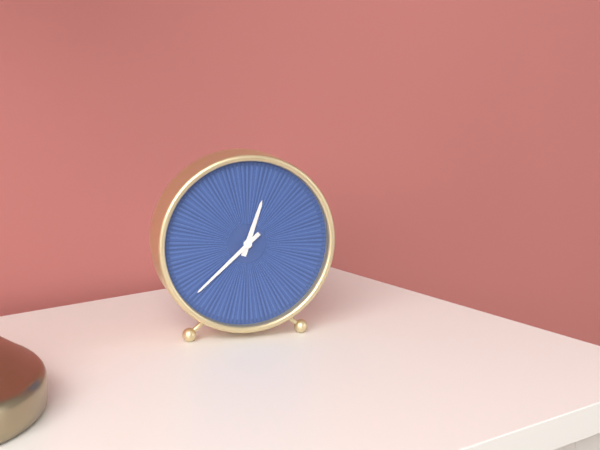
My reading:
12h38
